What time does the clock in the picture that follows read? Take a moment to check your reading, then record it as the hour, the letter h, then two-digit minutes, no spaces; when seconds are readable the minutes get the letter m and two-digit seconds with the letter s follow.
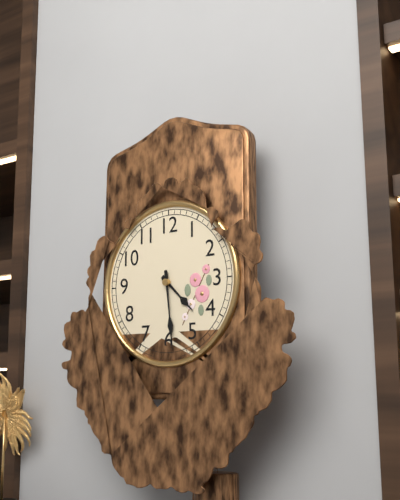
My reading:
4h29
